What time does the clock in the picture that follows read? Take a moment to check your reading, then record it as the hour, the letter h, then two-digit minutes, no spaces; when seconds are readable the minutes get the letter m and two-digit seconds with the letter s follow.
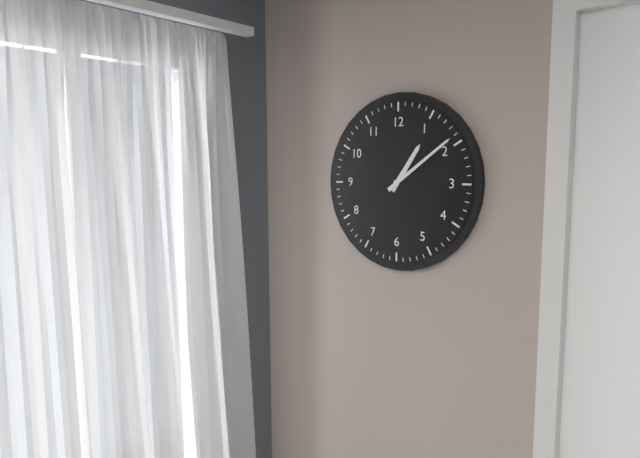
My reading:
1h09
